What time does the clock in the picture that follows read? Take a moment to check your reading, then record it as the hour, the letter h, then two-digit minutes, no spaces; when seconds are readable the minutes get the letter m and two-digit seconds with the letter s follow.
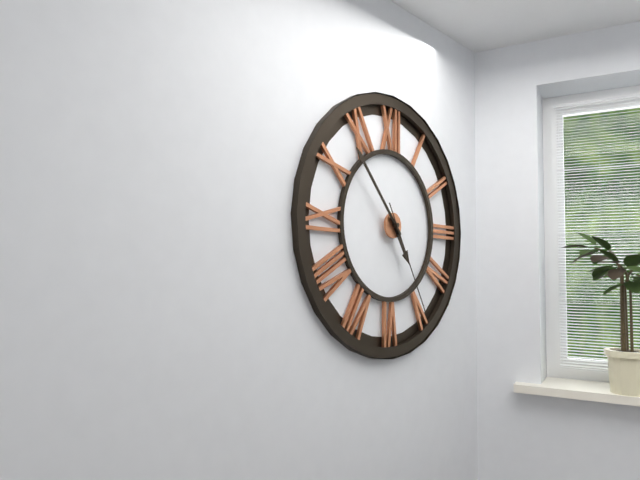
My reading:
4h53m25s
